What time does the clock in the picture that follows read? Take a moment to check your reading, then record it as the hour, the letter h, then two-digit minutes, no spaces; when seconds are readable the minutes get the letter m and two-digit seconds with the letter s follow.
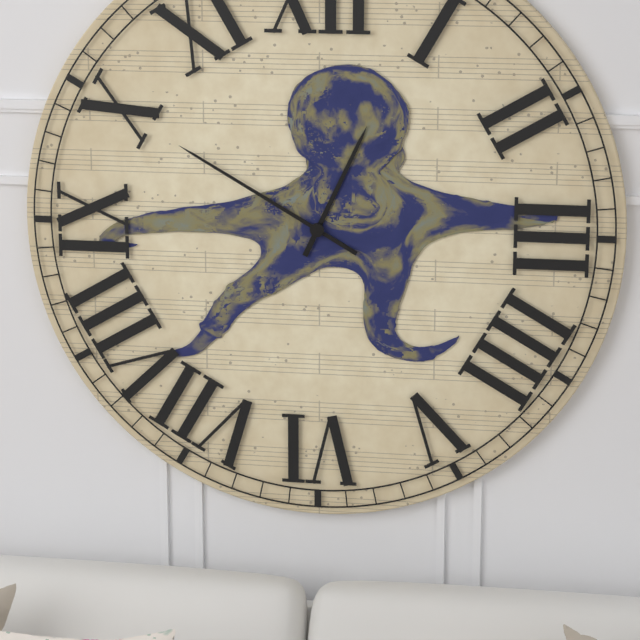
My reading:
12h50
